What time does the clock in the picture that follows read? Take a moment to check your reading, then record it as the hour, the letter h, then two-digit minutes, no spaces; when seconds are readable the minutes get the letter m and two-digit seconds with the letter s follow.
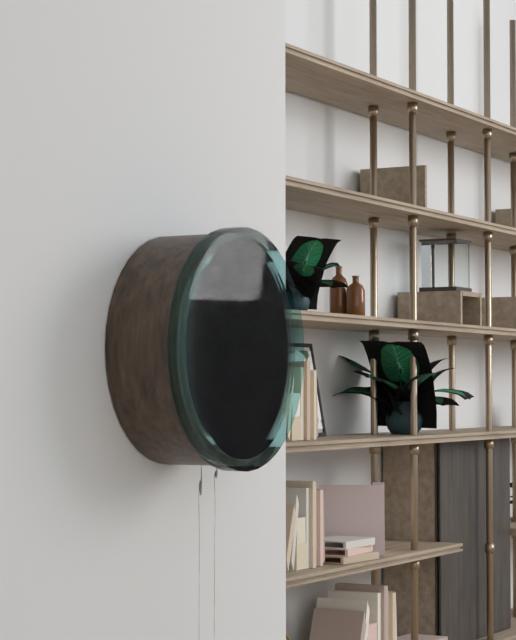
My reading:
7h05
